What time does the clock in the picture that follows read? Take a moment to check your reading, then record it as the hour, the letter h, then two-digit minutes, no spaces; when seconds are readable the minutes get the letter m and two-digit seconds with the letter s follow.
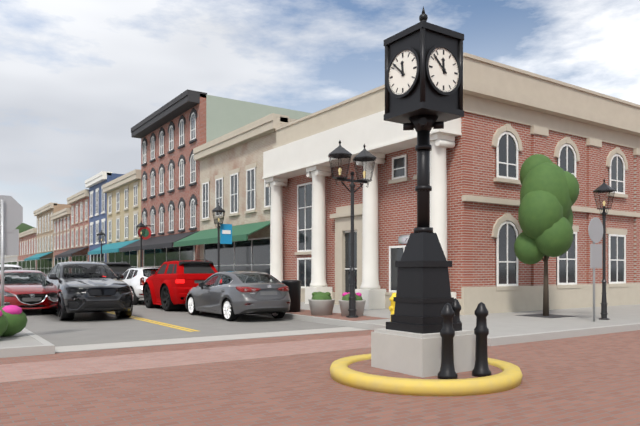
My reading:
11h52
